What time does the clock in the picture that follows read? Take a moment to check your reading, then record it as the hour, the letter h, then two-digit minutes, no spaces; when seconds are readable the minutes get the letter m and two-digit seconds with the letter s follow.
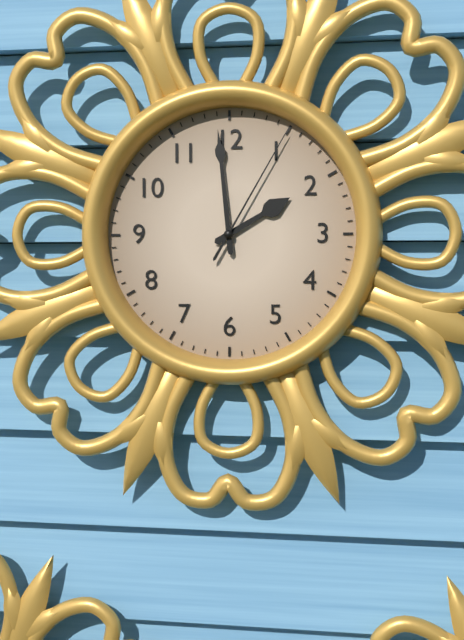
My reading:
1h59m05s
